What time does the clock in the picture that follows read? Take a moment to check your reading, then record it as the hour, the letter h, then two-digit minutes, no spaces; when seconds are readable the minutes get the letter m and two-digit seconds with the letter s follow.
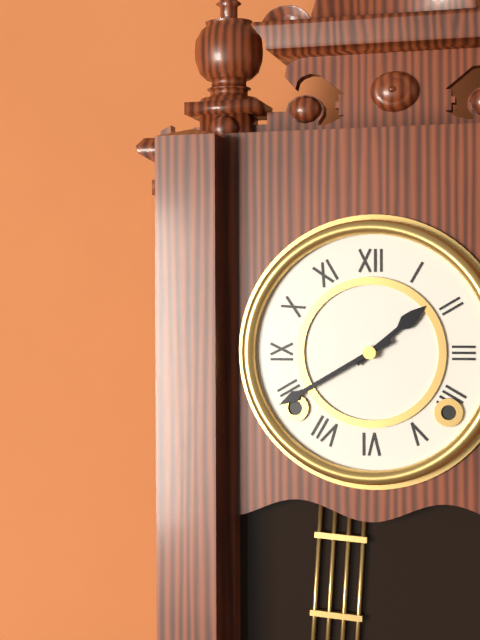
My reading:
1h40
